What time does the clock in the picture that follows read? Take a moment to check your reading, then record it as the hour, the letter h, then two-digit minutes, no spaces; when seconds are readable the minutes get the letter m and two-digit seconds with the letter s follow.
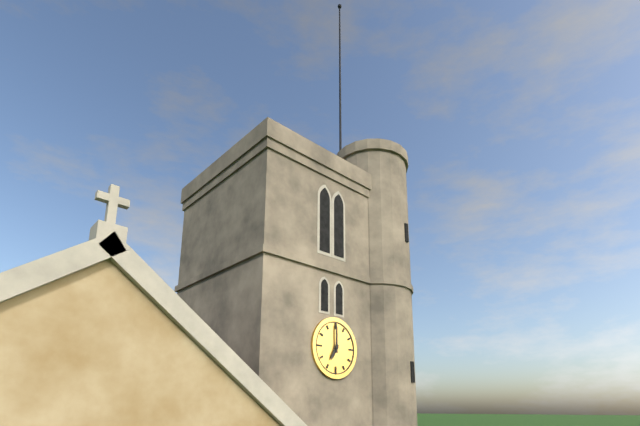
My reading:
7h00
